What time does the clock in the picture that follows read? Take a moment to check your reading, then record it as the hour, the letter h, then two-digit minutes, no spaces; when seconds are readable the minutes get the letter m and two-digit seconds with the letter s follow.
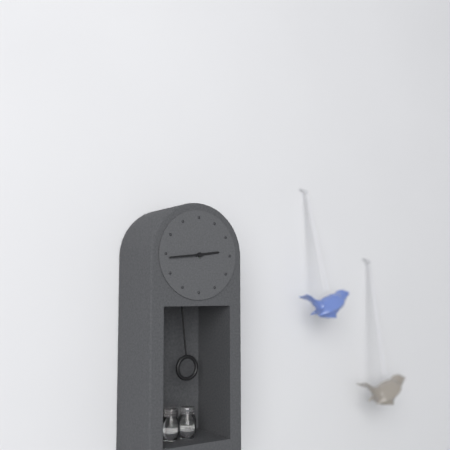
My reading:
2h44
